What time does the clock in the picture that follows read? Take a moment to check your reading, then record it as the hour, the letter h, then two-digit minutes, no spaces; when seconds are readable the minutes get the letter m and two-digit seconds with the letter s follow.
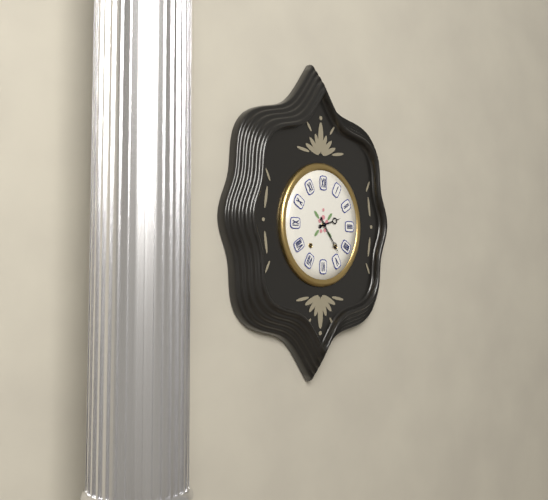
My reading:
2h24
